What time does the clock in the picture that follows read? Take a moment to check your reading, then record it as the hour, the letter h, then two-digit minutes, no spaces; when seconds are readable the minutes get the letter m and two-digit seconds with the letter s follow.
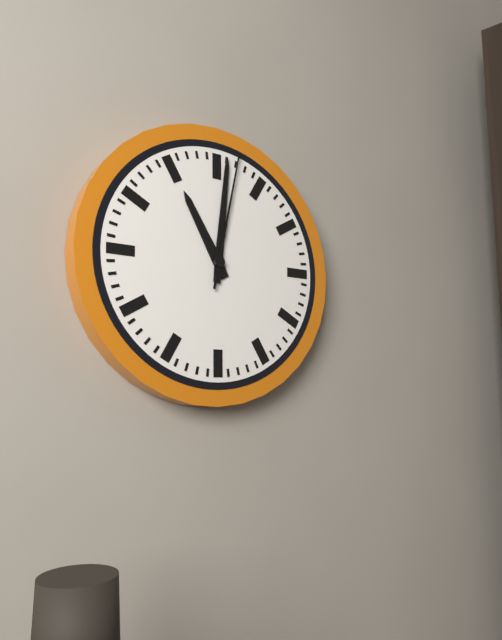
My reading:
11h01m02s
